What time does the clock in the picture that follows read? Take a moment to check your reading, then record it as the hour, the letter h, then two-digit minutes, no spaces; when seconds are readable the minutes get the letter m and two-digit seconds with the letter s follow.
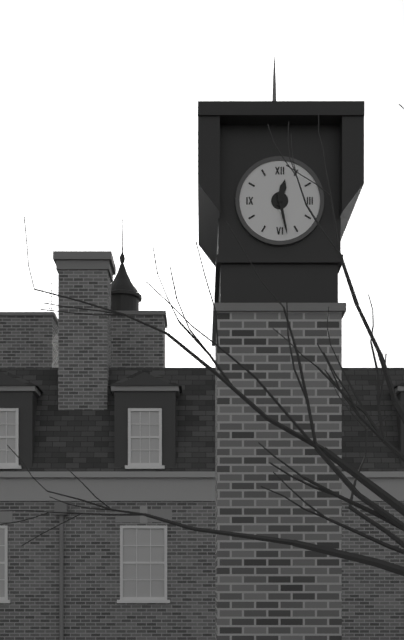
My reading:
12h28
